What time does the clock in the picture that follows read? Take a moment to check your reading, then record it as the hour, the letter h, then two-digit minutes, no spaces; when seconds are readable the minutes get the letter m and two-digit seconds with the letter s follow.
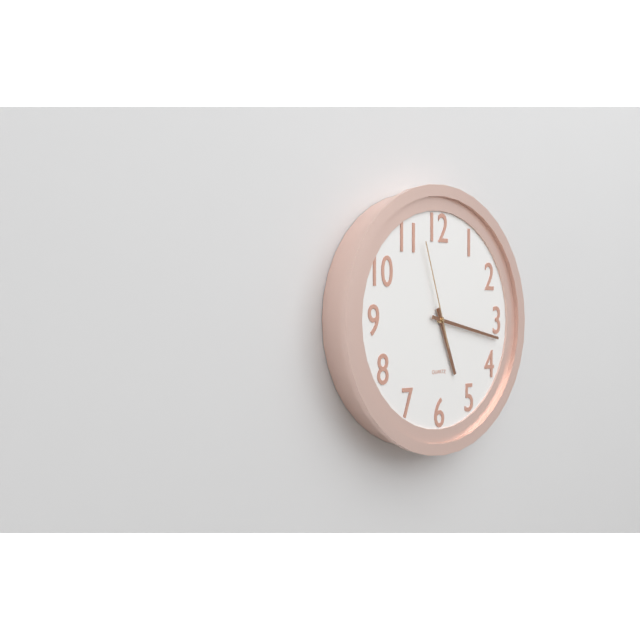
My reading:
5h17m57s
